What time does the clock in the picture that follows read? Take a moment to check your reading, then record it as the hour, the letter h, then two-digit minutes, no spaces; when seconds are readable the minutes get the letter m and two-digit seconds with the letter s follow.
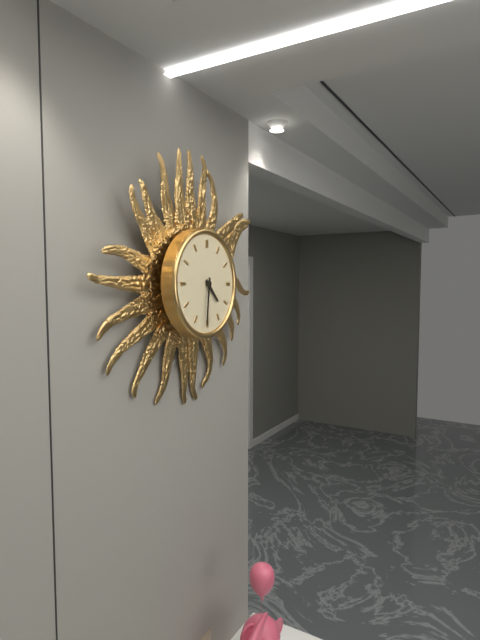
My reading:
4h31
